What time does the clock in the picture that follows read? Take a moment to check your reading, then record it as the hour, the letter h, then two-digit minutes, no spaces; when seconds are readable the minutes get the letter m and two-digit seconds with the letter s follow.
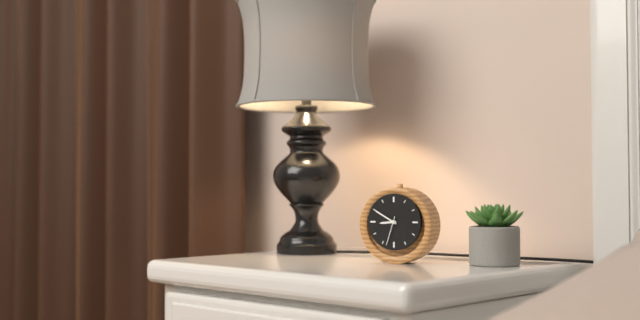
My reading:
8h50
